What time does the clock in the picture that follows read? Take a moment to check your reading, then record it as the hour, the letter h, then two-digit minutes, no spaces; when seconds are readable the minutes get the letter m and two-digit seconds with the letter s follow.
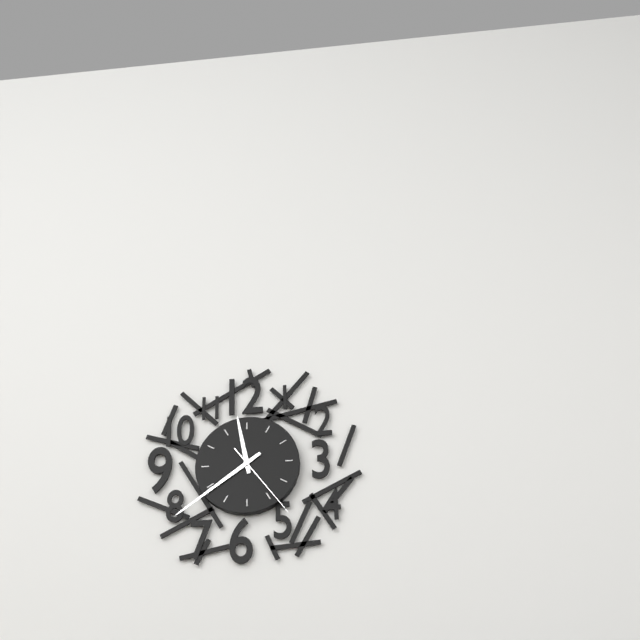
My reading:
11h39m24s
